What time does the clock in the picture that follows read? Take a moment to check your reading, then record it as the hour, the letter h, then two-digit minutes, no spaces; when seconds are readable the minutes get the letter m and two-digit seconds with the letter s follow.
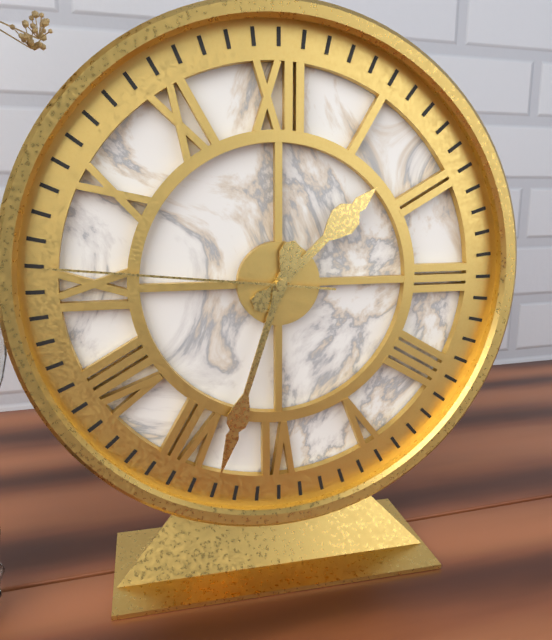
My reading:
1h33m46s
